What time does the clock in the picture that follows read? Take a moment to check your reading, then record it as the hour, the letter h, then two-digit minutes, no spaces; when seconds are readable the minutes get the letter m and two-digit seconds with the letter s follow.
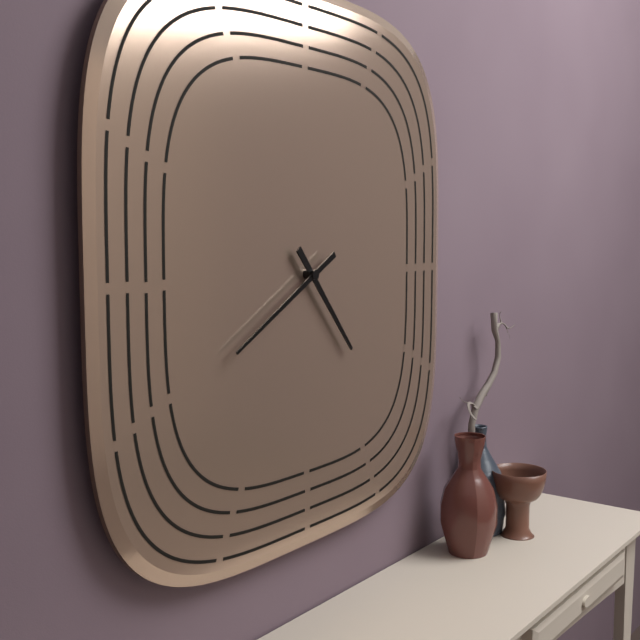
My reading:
4h40
